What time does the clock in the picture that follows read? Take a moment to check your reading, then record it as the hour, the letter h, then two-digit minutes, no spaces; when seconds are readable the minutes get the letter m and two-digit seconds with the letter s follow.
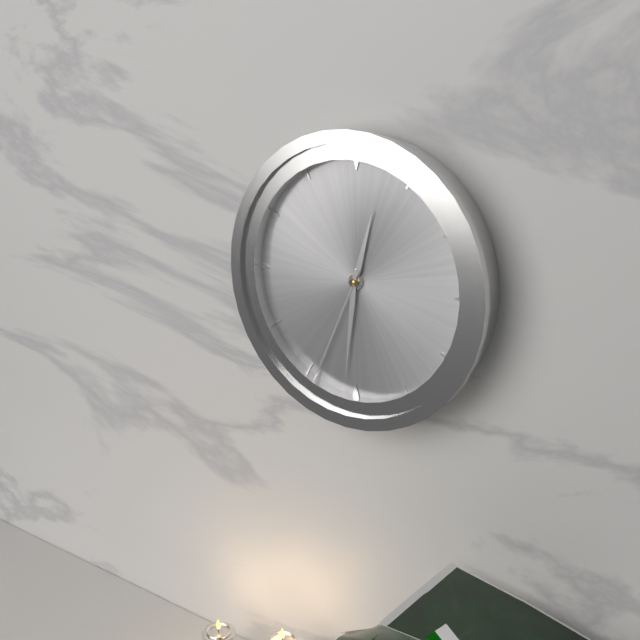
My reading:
12h31m34s
